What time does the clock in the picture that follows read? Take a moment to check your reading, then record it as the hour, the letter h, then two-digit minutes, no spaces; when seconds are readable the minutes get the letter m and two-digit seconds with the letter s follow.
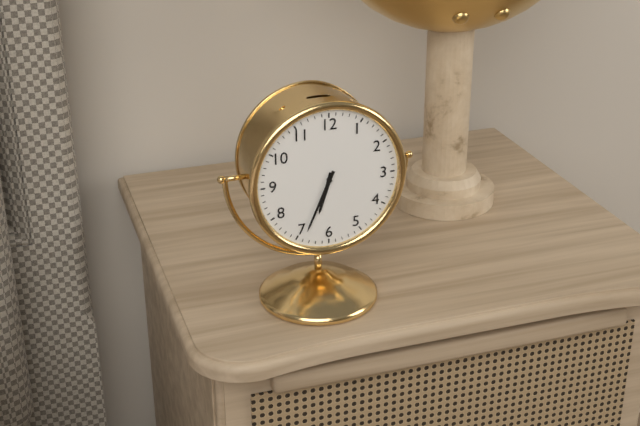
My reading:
6h34
